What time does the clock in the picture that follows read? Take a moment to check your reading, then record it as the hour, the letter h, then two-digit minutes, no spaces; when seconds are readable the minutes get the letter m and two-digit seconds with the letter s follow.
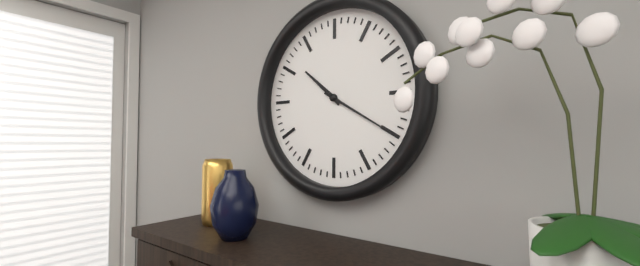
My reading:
10h20
